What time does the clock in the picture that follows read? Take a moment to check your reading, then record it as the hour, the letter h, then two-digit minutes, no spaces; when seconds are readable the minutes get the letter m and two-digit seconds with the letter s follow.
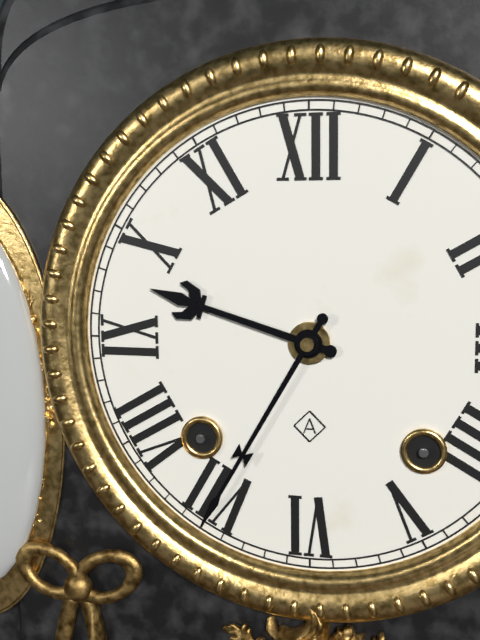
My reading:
9h35
